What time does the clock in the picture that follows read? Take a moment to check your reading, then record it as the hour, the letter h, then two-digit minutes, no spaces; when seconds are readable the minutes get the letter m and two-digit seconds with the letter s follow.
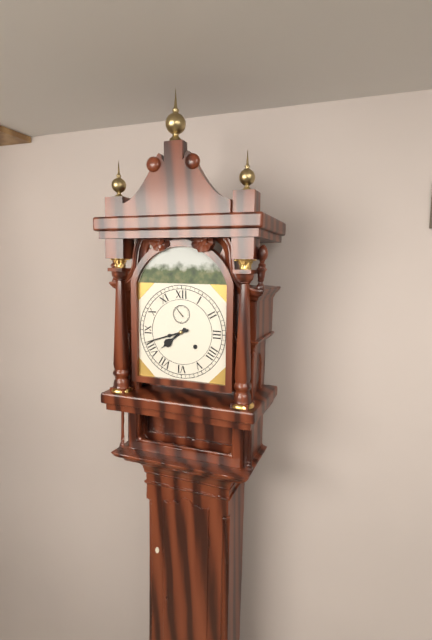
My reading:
7h42
